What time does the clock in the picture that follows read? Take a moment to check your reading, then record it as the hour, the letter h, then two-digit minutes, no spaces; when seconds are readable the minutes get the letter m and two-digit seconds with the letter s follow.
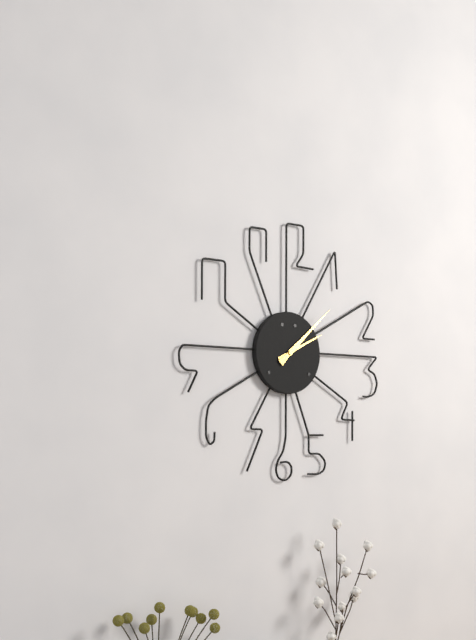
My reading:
2h08
